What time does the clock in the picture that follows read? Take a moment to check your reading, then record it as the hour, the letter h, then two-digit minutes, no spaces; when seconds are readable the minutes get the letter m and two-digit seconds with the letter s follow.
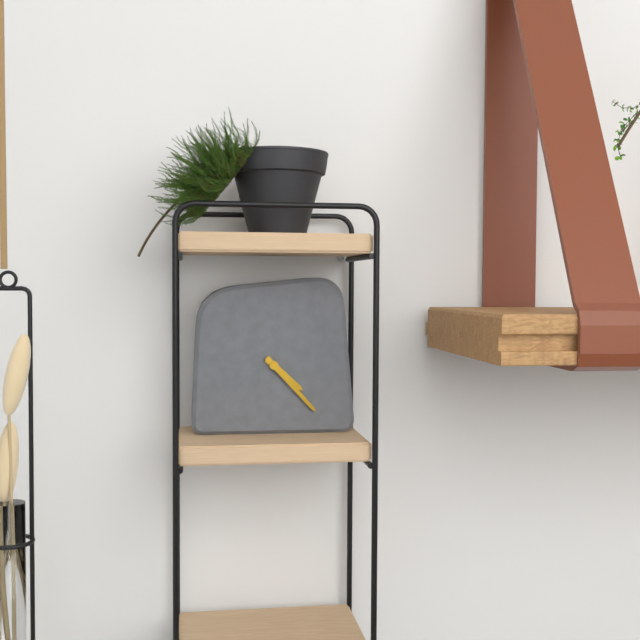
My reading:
4h23
